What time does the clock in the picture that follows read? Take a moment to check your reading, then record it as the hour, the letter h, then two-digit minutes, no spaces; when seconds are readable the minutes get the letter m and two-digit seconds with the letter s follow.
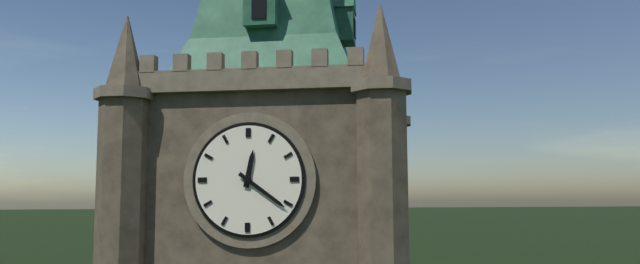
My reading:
12h21
